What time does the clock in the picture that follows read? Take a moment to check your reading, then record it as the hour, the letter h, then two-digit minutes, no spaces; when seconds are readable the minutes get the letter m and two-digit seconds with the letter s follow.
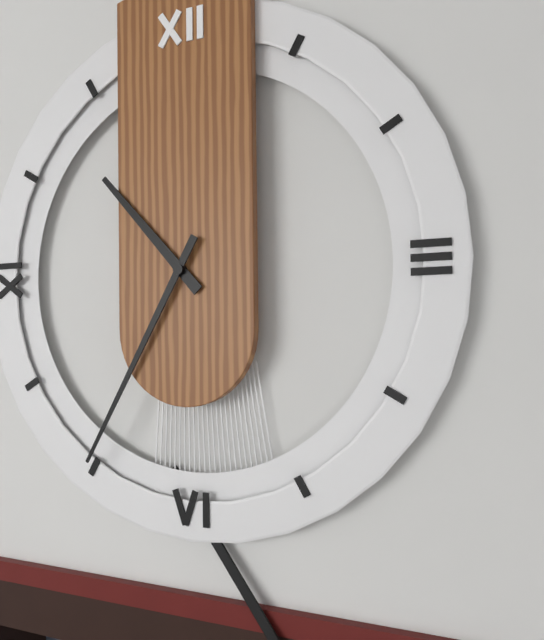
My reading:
10h35
